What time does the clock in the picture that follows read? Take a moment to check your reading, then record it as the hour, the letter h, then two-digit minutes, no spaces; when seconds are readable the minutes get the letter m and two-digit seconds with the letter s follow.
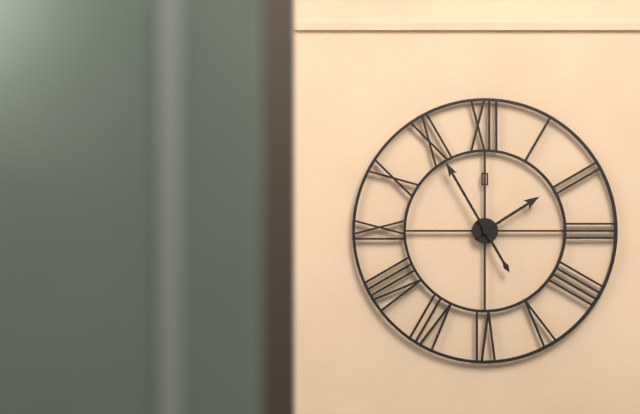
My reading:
1h55
